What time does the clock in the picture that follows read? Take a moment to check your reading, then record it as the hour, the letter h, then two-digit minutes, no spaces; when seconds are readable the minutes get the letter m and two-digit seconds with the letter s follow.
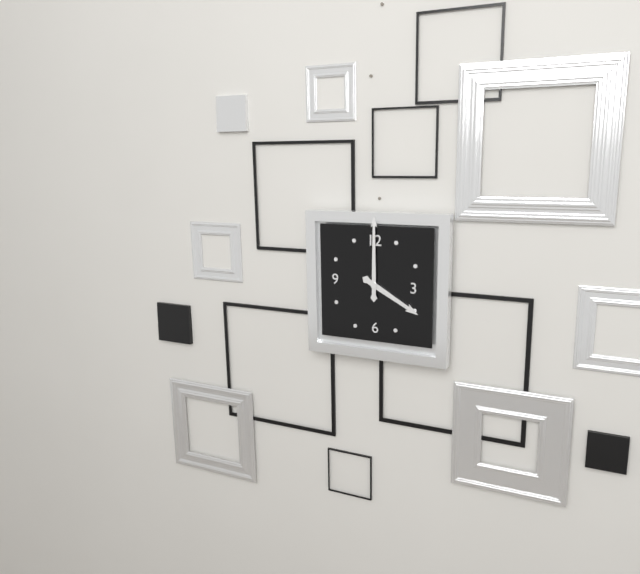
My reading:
4h00
